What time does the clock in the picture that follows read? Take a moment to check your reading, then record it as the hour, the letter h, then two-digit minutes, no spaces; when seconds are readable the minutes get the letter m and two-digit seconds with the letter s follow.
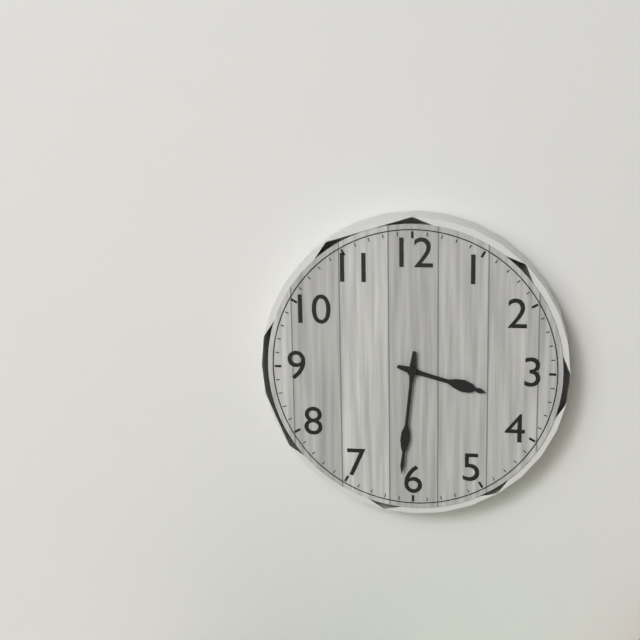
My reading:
3h31
